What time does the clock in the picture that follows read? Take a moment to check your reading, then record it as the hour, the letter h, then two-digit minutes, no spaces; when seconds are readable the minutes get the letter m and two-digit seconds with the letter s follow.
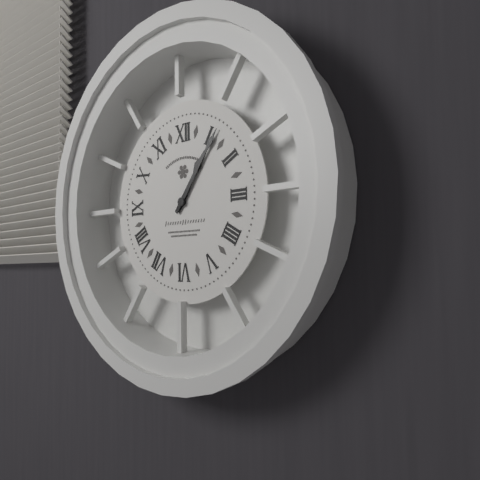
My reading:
1h06
